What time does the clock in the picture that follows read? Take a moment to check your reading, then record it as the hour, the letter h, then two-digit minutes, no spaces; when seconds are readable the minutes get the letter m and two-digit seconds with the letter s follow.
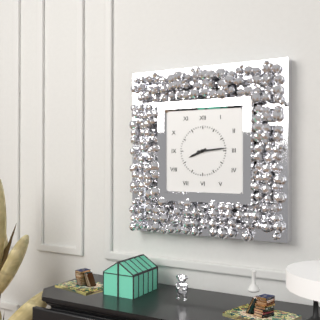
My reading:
8h14
